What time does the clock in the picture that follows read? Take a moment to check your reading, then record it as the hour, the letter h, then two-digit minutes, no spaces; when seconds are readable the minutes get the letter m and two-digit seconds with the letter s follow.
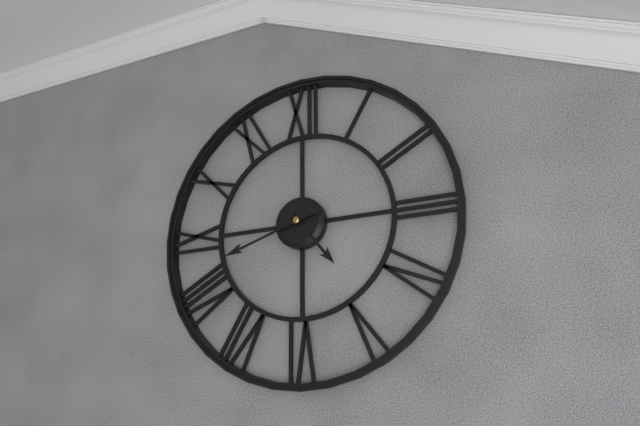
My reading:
4h42
